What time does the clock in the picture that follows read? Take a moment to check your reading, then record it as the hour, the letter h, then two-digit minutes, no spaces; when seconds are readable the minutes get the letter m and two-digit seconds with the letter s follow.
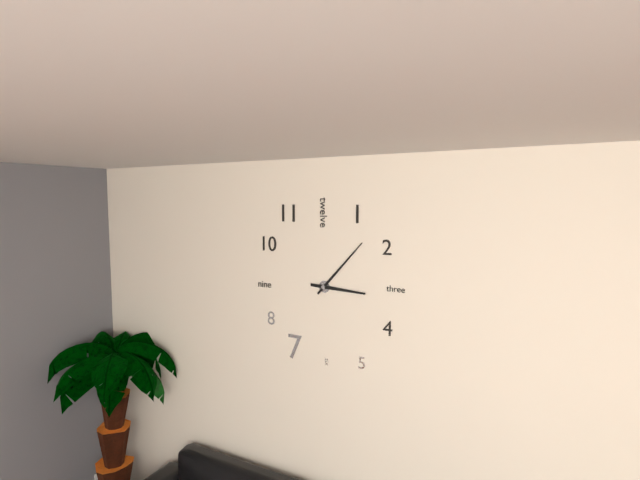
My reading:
3h07
